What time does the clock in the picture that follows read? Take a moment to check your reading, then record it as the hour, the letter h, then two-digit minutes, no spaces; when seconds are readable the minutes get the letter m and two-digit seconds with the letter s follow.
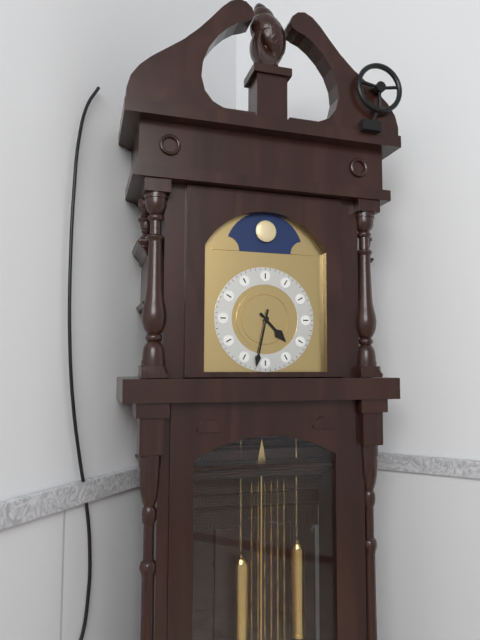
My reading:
4h32
